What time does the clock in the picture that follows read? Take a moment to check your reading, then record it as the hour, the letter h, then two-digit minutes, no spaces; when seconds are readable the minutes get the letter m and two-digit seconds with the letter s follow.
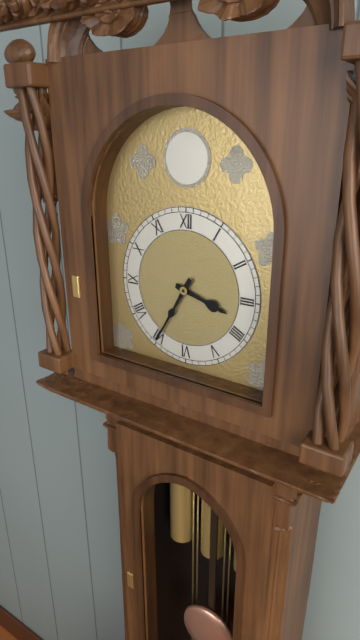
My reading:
3h35
